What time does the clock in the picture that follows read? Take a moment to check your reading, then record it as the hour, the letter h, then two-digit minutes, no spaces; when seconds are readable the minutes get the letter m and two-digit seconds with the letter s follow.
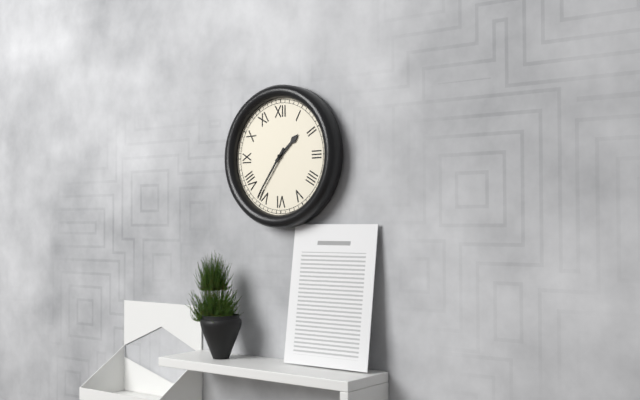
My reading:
1h36
